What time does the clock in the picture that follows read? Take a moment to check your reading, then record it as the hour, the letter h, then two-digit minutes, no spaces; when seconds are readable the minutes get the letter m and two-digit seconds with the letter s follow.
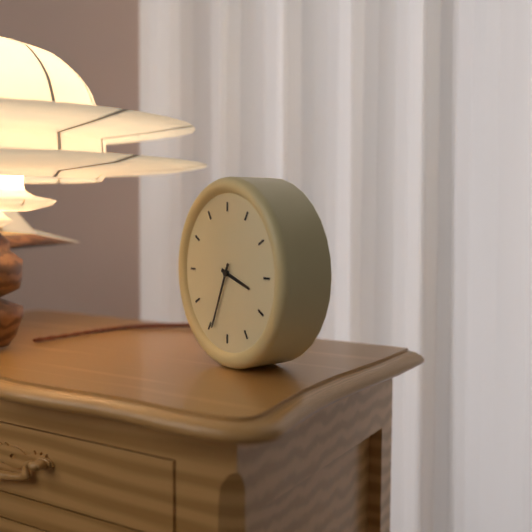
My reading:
3h34
